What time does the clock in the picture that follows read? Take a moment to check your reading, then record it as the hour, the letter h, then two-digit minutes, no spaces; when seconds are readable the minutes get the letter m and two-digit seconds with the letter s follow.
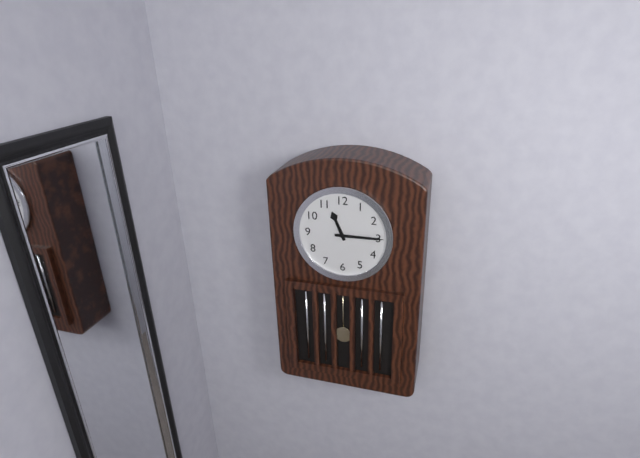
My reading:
11h15
